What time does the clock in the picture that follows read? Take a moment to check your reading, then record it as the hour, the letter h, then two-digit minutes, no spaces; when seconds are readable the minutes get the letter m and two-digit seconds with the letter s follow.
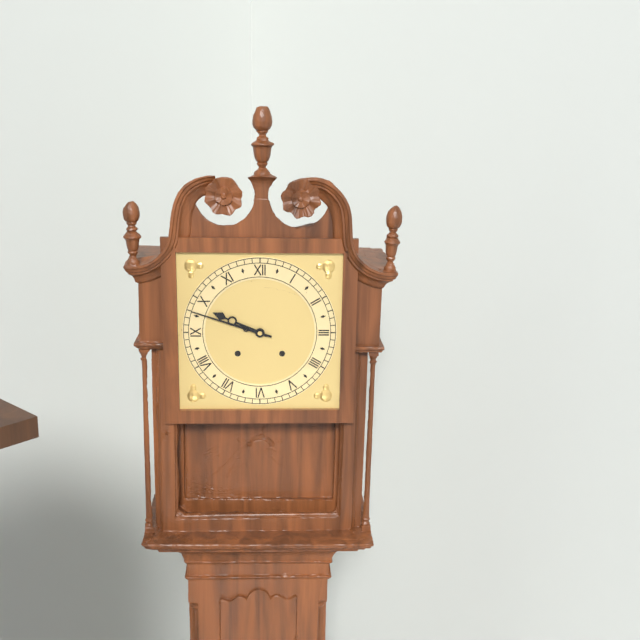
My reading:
9h48
